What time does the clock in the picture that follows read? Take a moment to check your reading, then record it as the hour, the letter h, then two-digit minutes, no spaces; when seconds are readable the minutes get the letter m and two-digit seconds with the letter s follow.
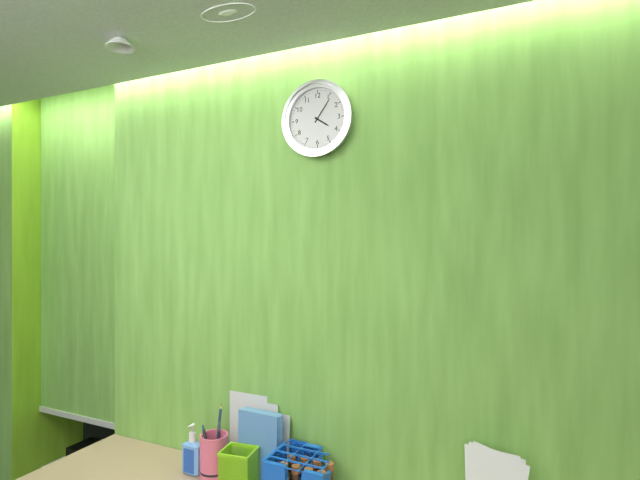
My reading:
4h06
